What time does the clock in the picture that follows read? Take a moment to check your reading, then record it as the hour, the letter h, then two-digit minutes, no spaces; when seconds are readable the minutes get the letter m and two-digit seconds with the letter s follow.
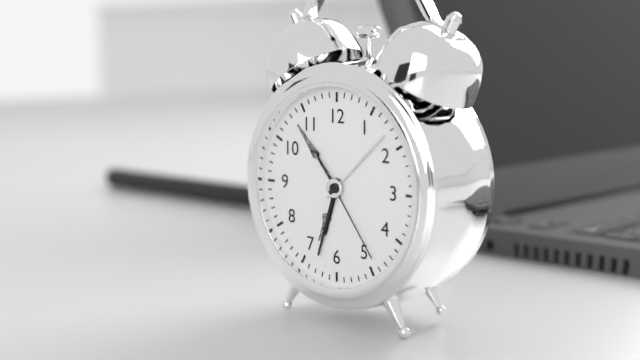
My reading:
6h33m24s
